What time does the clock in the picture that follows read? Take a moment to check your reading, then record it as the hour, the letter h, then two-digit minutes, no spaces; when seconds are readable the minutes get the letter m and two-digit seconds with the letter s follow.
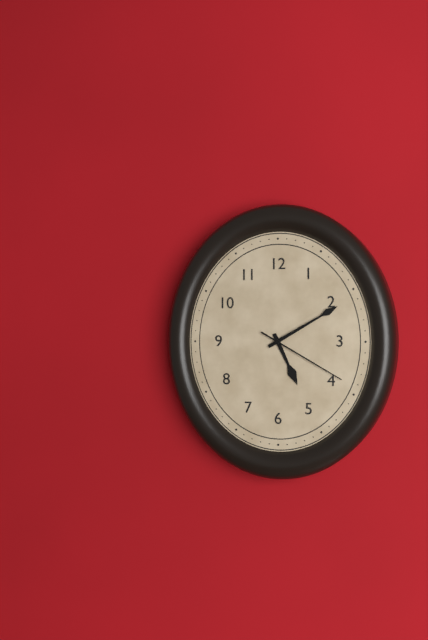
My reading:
5h10m20s
